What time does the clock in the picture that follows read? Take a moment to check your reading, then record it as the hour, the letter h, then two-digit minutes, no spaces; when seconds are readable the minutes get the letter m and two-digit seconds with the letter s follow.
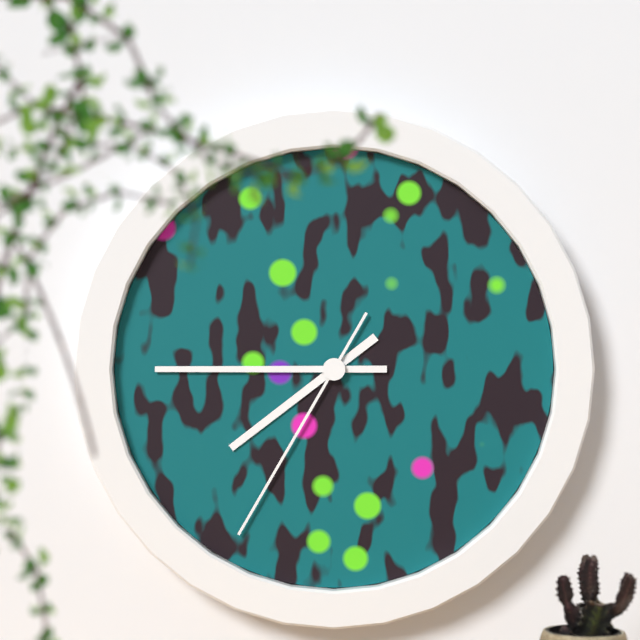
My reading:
7h45m35s
